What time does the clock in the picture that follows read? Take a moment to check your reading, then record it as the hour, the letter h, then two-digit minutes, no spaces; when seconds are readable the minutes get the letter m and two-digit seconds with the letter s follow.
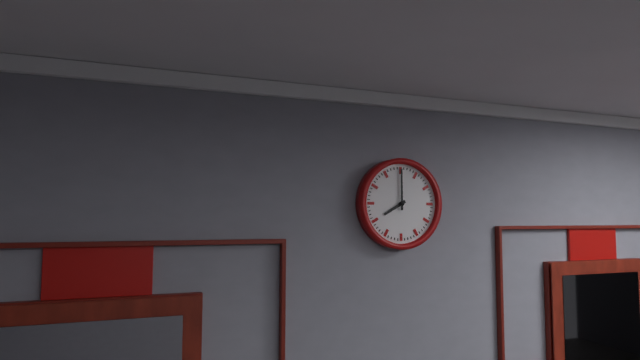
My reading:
8h00
